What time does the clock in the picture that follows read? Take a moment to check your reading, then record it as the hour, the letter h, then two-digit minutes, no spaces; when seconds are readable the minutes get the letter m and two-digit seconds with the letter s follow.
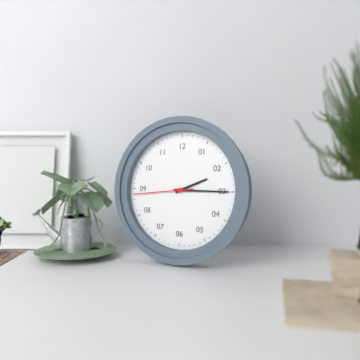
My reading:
2h15m44s
